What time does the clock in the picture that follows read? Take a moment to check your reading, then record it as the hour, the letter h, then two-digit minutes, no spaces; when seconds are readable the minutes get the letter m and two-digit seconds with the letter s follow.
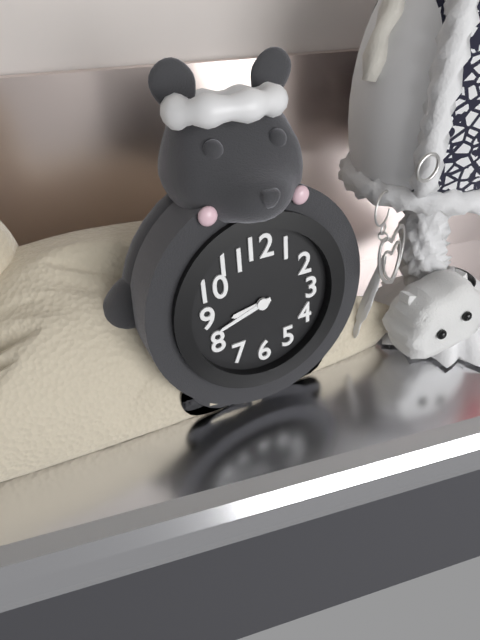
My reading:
8h42
